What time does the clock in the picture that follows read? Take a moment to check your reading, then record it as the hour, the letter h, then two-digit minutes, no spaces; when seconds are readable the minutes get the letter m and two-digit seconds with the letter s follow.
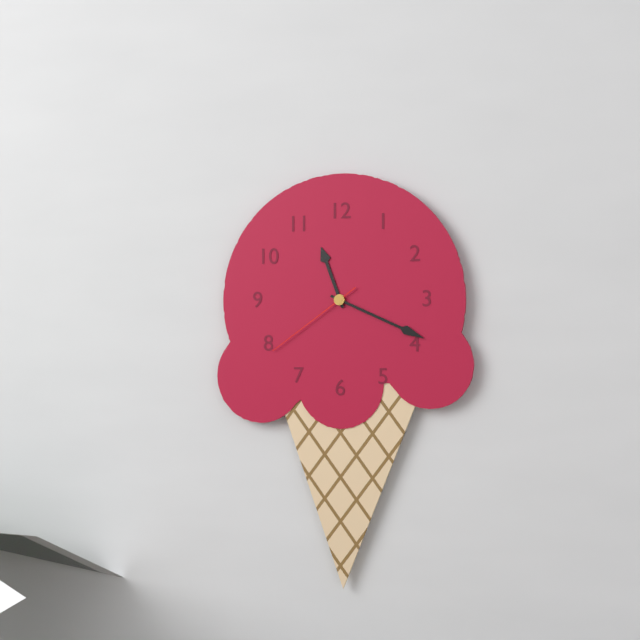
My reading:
11h19m39s
